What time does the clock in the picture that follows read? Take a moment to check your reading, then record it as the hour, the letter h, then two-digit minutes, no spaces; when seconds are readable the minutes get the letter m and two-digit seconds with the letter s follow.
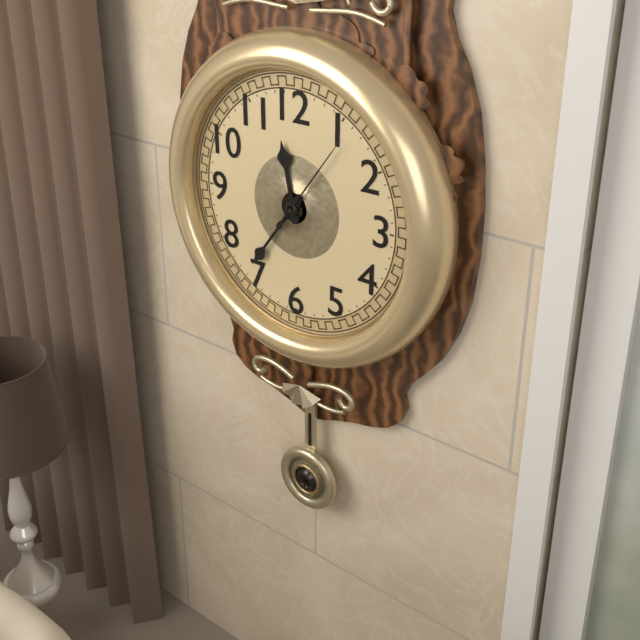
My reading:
11h36m06s
